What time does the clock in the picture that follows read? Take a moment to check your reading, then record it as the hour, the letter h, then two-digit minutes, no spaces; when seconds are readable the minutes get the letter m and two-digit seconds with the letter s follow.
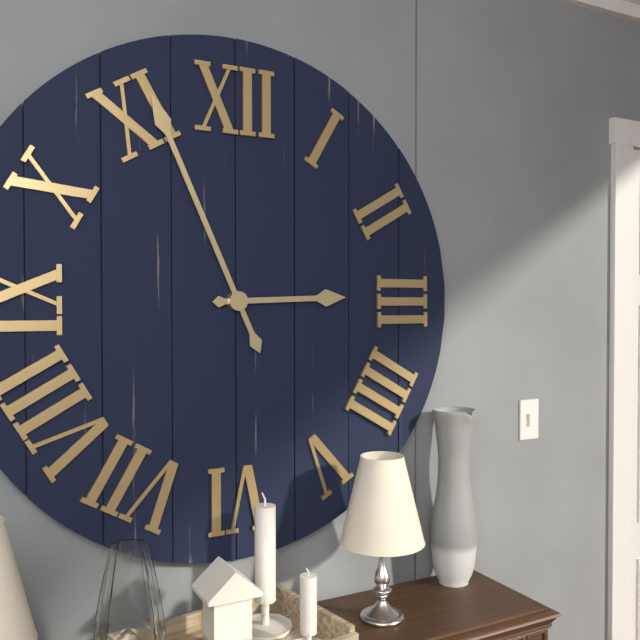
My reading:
2h56
